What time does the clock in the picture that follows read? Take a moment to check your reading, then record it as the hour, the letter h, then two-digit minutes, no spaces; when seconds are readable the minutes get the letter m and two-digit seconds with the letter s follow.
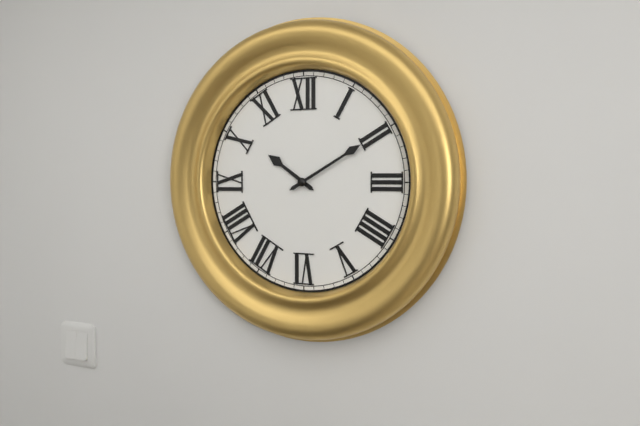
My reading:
10h10
